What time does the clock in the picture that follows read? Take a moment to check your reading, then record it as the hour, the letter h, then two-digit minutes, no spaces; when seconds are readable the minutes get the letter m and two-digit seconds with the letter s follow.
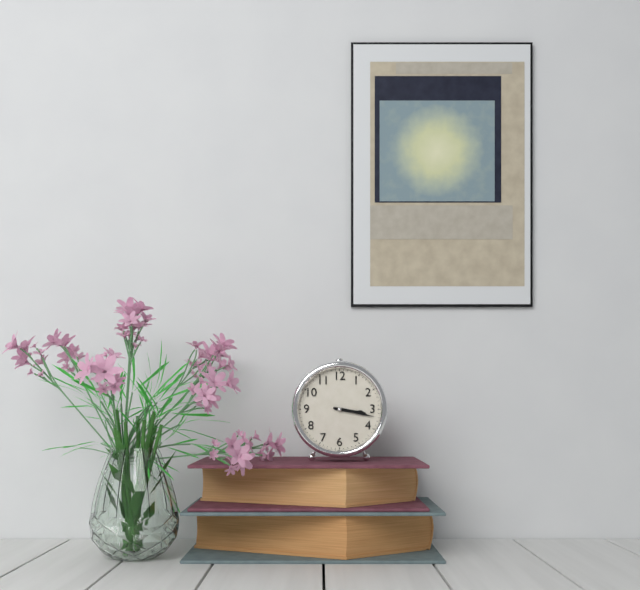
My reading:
3h17
